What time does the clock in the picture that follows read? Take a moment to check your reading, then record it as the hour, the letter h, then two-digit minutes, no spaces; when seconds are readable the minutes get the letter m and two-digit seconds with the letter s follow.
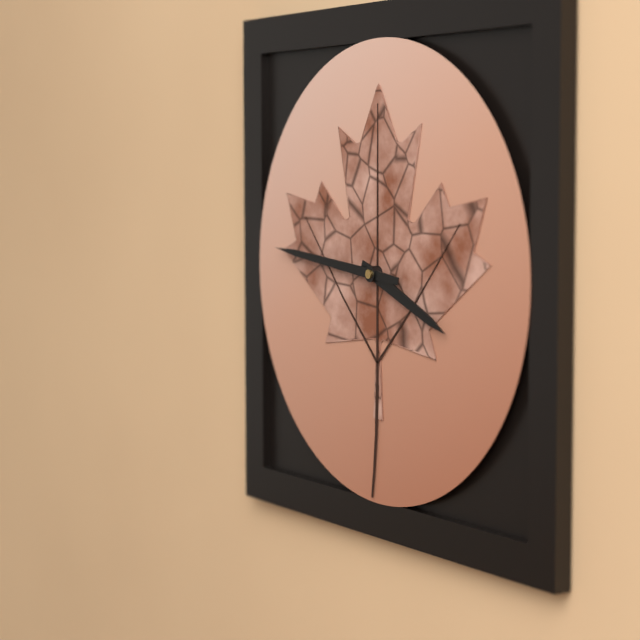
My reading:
3h46
